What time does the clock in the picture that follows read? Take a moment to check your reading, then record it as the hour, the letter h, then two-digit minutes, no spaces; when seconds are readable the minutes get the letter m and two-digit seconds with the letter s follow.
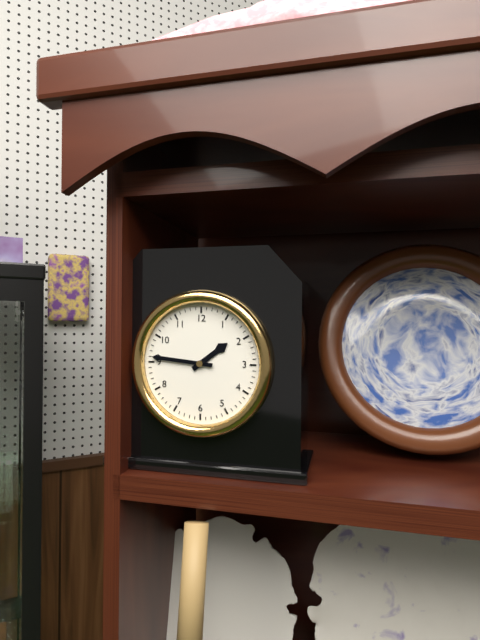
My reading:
1h46
